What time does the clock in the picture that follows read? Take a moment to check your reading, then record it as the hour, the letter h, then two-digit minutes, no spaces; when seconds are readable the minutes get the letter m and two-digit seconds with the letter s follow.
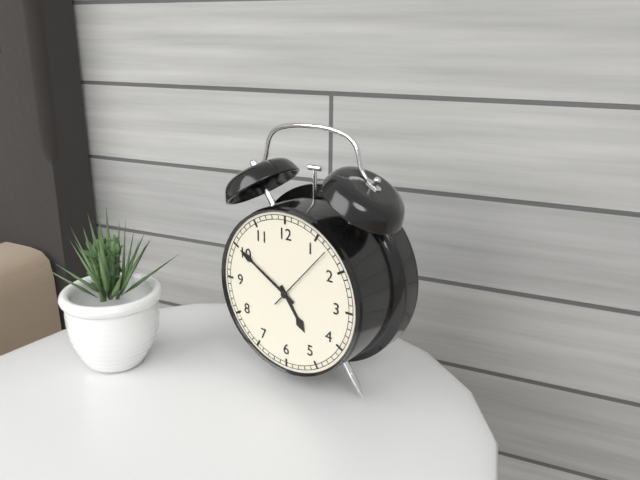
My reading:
4h50
